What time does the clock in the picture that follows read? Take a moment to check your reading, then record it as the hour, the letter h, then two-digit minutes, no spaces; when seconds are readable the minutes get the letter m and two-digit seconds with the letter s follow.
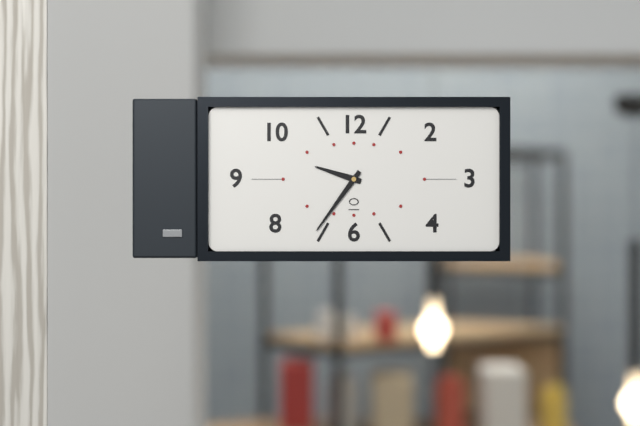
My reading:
9h36
